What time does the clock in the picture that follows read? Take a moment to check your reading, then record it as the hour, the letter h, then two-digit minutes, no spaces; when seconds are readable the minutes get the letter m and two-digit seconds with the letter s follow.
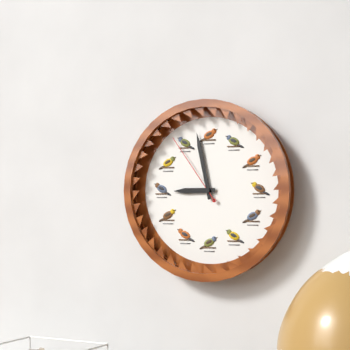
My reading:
8h58m54s
